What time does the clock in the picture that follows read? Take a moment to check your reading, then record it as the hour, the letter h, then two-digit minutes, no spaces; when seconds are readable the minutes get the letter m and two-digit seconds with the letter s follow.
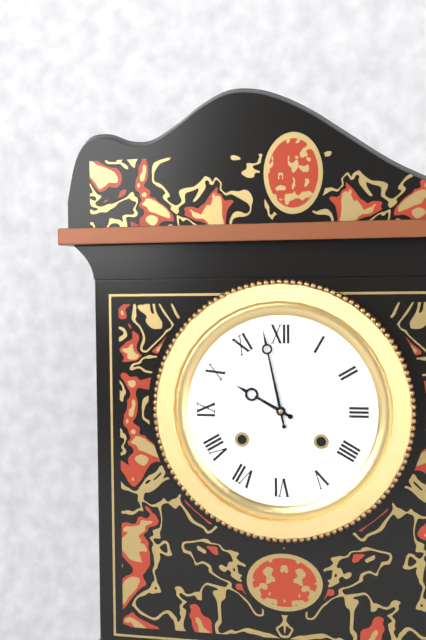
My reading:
9h58
